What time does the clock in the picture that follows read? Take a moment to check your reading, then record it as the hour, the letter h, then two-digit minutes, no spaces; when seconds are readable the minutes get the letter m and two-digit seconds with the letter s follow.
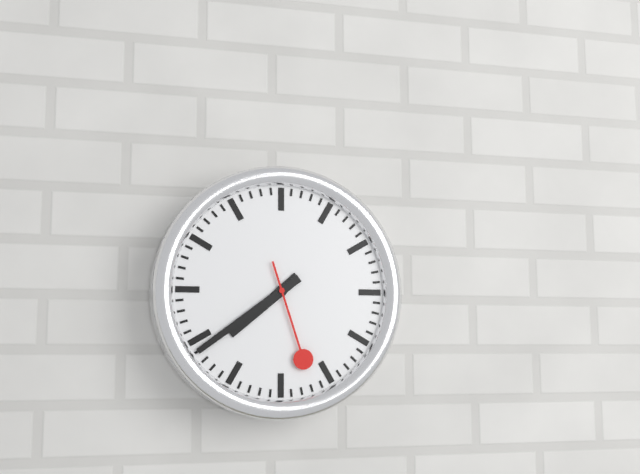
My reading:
7h39m27s
